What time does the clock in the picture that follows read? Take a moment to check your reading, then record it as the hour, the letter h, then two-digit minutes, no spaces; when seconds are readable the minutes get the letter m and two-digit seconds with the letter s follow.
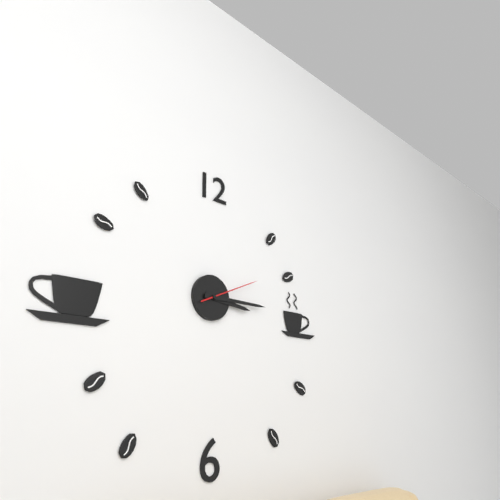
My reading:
3h15m11s
